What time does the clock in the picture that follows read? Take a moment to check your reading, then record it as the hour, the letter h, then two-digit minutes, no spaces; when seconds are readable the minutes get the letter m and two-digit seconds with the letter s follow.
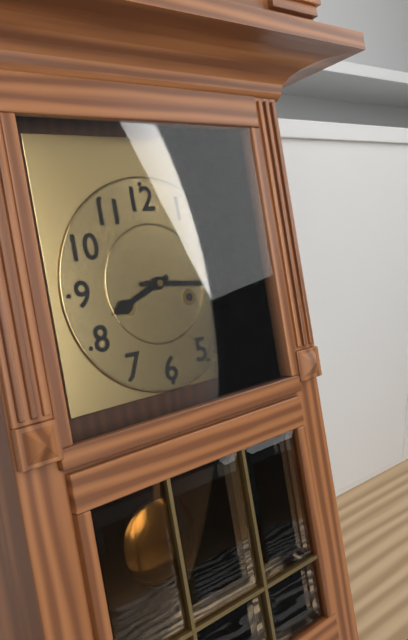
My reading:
8h16
